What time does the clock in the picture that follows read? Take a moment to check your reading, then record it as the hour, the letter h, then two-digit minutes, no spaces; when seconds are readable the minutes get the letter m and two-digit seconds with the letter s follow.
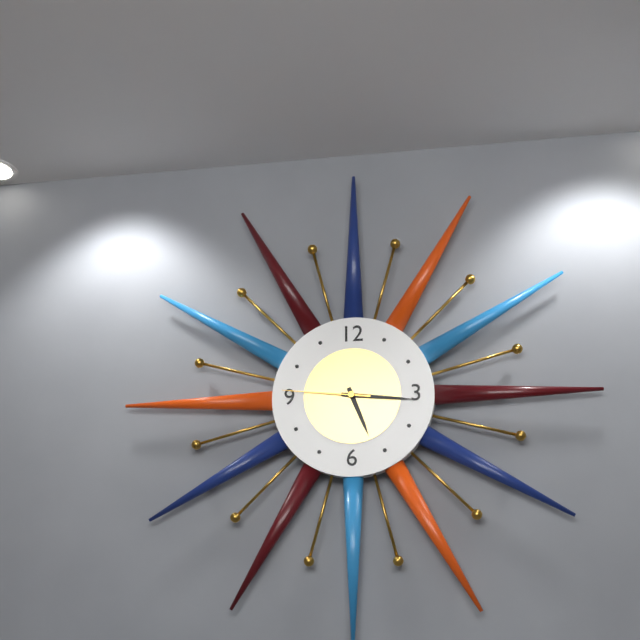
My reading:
5h16m46s
